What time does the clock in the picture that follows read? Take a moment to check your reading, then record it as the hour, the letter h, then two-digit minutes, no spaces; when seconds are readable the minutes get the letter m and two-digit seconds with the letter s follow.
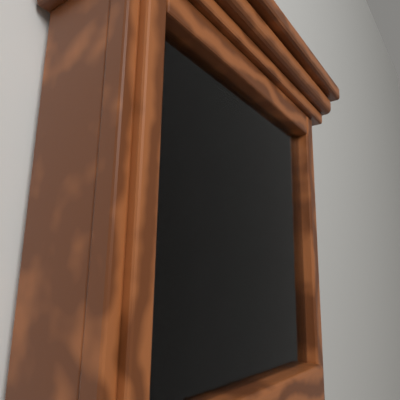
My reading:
5h09
